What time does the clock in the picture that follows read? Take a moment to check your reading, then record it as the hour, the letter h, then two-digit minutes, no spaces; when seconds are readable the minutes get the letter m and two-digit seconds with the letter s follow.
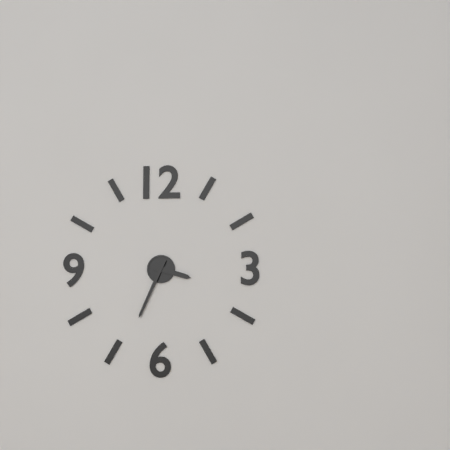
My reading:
3h34
